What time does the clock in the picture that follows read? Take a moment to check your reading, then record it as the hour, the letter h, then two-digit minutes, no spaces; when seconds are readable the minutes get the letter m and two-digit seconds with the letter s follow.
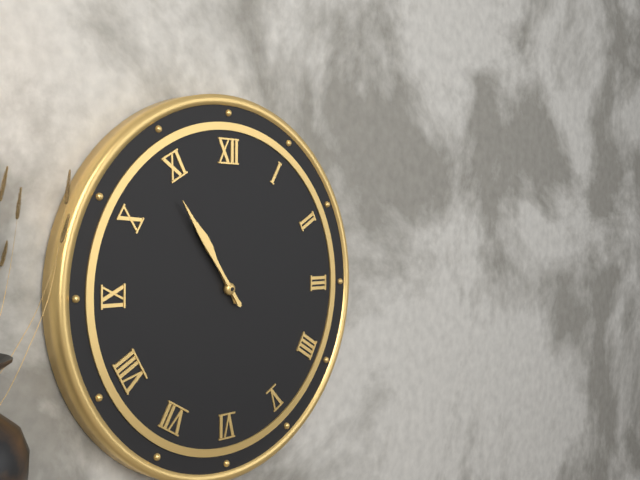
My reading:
10h54
